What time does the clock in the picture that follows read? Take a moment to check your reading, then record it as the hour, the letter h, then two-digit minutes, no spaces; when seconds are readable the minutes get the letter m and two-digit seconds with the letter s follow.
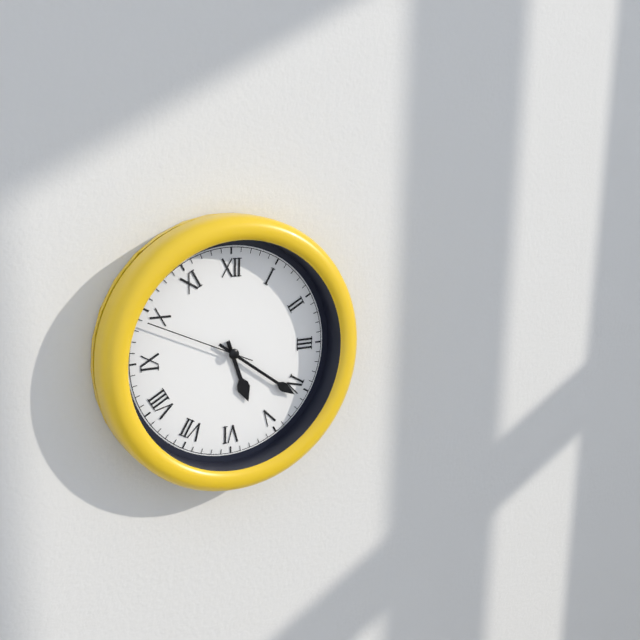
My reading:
5h21m49s
